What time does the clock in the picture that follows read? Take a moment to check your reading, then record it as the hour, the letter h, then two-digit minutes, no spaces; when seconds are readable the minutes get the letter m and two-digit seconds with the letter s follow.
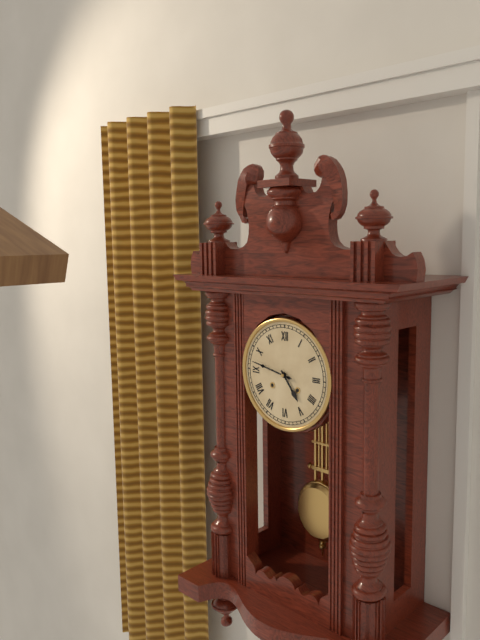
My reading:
4h47
